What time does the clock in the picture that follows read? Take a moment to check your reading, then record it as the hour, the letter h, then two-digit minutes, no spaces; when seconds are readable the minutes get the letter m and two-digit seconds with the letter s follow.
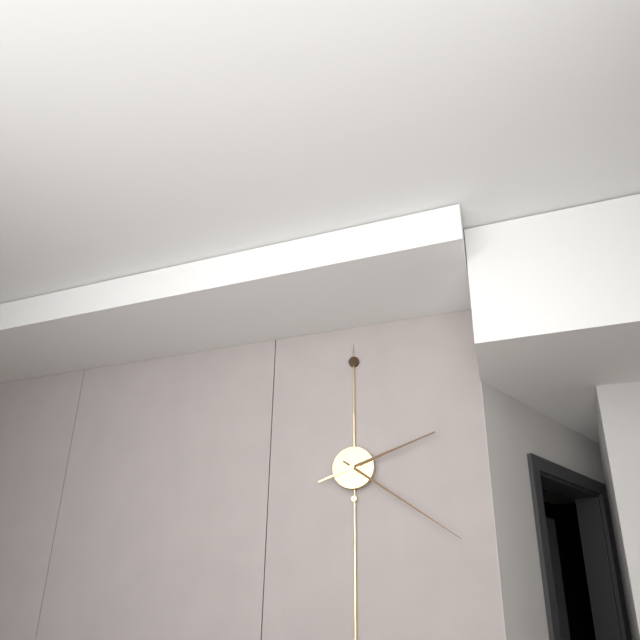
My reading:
2h21
